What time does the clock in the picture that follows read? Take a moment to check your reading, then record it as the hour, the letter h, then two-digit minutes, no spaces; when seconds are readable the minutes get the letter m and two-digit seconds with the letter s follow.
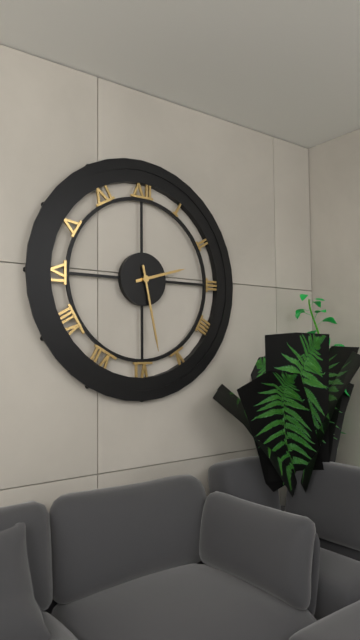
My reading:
2h28
